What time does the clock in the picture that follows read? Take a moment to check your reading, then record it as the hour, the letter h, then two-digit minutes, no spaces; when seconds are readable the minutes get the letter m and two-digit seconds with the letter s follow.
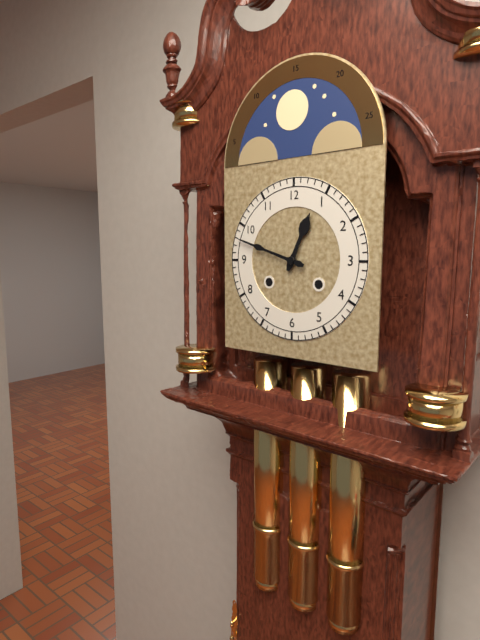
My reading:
12h48
